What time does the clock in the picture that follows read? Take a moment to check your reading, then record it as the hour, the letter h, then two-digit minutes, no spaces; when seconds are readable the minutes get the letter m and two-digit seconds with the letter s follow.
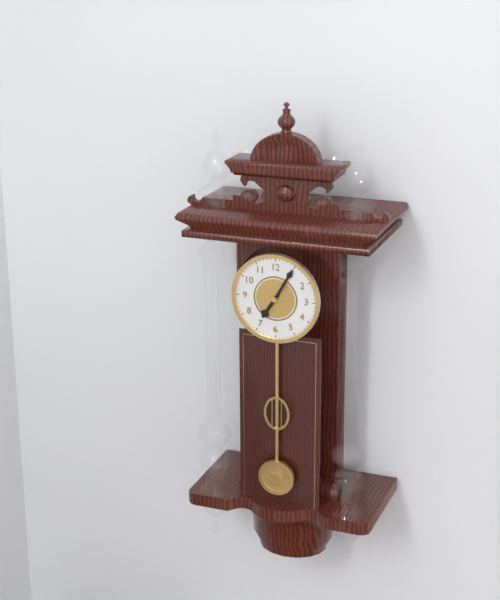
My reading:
7h05
